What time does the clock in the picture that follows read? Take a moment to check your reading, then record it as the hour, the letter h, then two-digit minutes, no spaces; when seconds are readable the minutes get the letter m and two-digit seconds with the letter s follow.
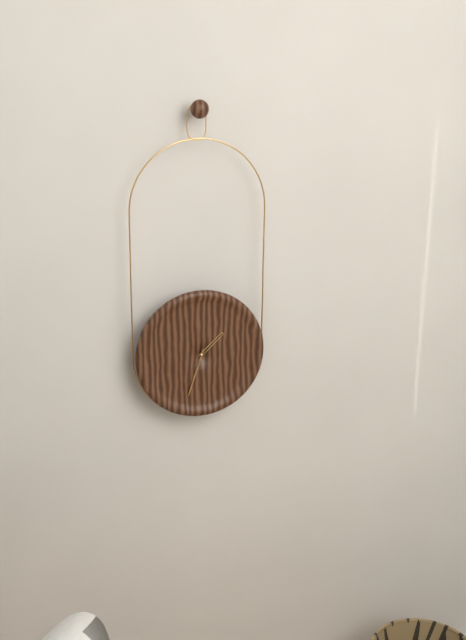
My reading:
1h33
